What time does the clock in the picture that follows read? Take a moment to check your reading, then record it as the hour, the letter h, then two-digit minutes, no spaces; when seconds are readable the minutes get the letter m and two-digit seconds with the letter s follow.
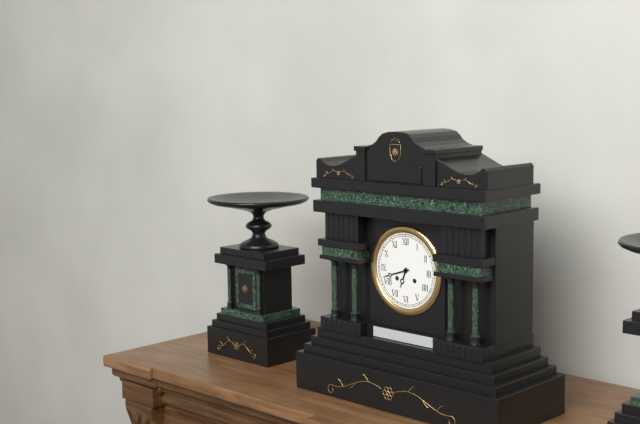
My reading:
6h42
